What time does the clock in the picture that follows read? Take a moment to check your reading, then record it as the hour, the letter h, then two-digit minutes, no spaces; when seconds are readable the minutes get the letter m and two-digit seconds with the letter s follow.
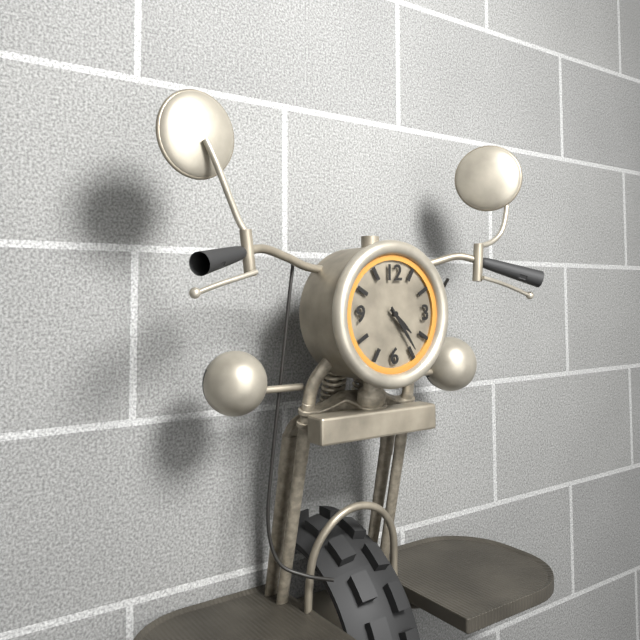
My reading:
4h24
